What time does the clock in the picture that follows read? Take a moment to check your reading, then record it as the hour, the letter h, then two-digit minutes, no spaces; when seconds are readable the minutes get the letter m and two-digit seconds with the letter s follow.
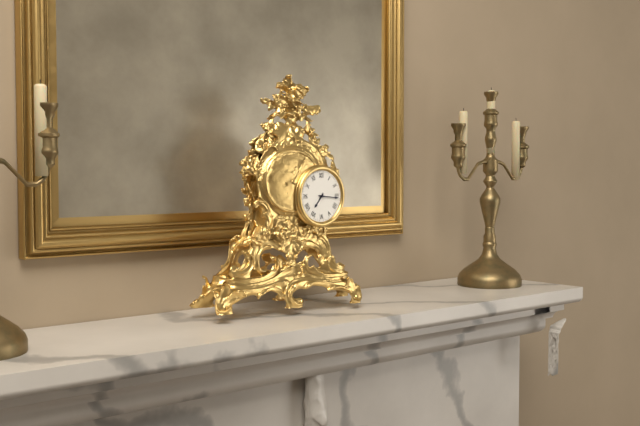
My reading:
7h16
